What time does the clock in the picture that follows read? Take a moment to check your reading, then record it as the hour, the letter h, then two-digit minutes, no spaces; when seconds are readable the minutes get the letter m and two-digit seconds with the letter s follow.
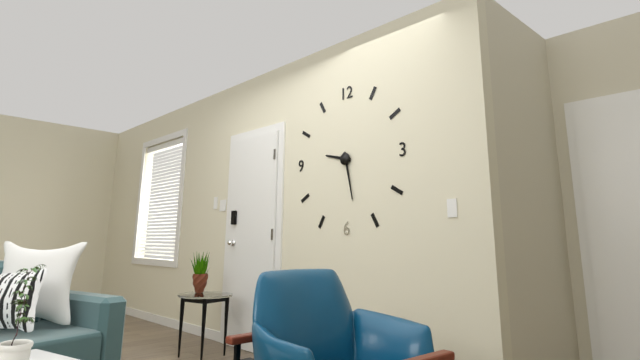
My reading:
9h28
